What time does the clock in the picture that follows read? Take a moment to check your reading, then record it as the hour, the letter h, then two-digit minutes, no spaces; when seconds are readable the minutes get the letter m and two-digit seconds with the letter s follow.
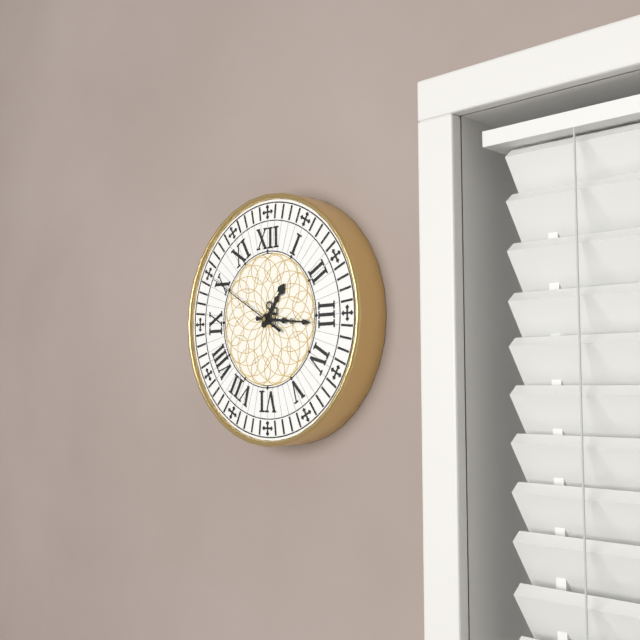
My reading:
1h16m50s
